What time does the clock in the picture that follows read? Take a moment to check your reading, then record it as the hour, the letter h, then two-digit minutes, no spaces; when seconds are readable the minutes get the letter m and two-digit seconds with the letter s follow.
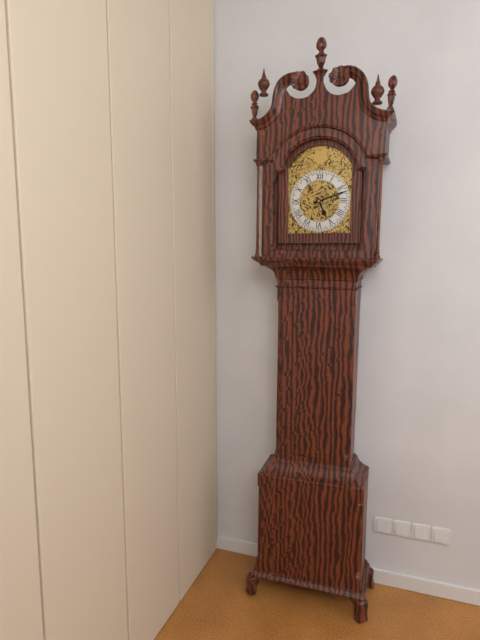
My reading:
5h12
